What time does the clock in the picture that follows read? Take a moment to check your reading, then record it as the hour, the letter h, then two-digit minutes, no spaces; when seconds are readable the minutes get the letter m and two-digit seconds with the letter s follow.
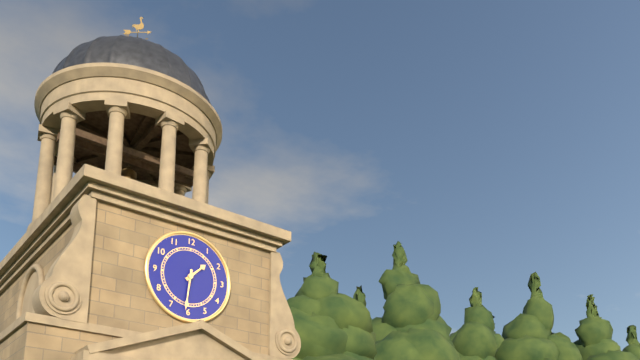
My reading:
1h31
